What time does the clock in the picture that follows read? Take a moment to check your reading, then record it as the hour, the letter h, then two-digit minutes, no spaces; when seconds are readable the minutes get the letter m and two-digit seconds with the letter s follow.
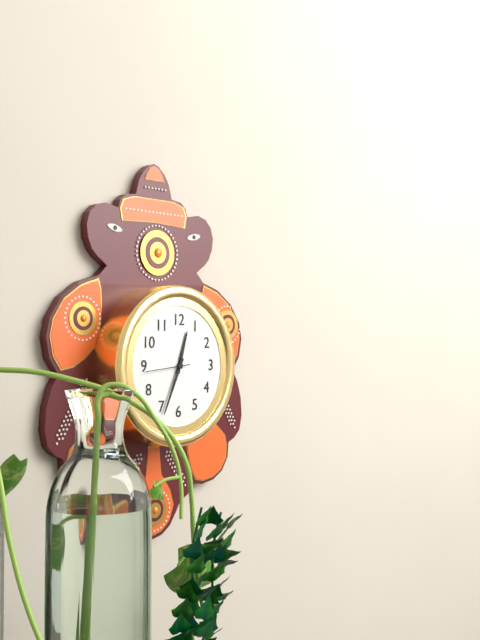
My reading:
12h34
